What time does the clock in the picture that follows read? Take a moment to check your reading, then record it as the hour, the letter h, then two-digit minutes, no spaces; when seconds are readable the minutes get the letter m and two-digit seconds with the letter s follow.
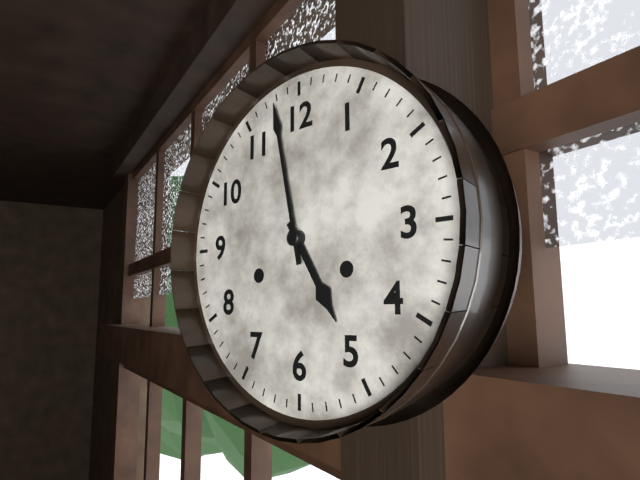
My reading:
4h58
